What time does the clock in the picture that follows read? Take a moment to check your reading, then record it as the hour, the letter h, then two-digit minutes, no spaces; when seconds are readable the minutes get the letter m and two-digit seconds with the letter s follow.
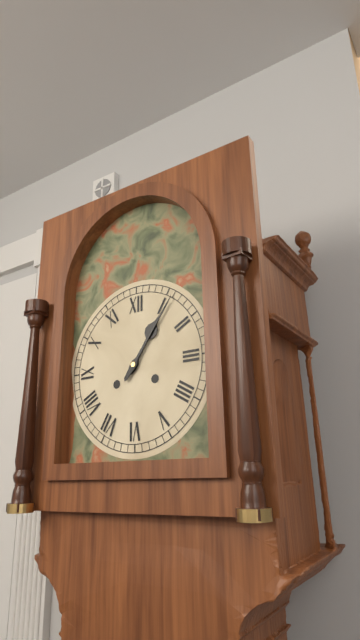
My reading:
1h06
